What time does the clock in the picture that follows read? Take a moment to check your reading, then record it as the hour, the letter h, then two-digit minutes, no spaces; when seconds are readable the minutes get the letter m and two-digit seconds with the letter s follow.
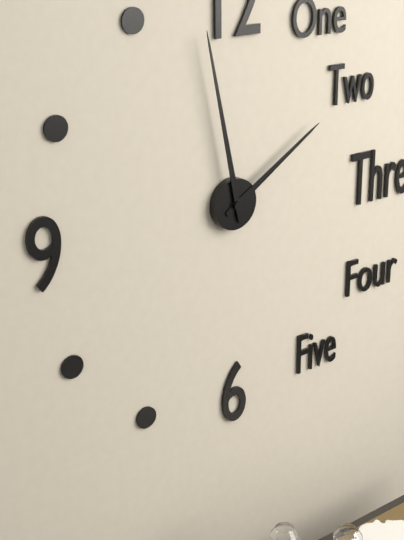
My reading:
1h58
